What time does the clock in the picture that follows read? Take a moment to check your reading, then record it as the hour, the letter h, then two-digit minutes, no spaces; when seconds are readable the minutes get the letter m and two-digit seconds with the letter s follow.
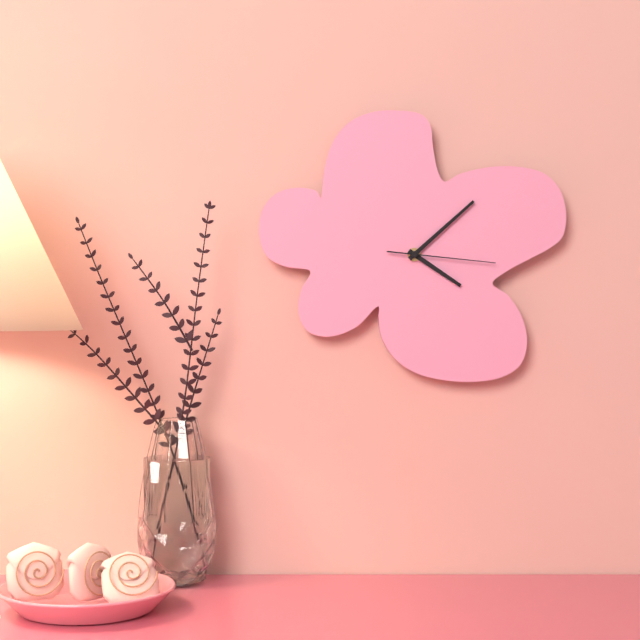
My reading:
4h08m16s
